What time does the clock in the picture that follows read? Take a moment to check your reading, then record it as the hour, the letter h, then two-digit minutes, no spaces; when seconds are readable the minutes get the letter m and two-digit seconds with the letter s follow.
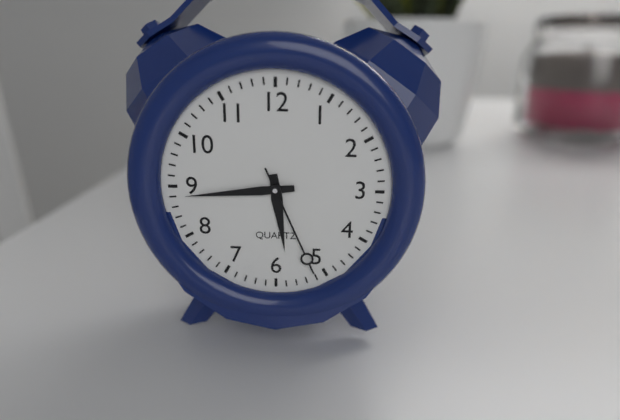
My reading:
5h44m26s
